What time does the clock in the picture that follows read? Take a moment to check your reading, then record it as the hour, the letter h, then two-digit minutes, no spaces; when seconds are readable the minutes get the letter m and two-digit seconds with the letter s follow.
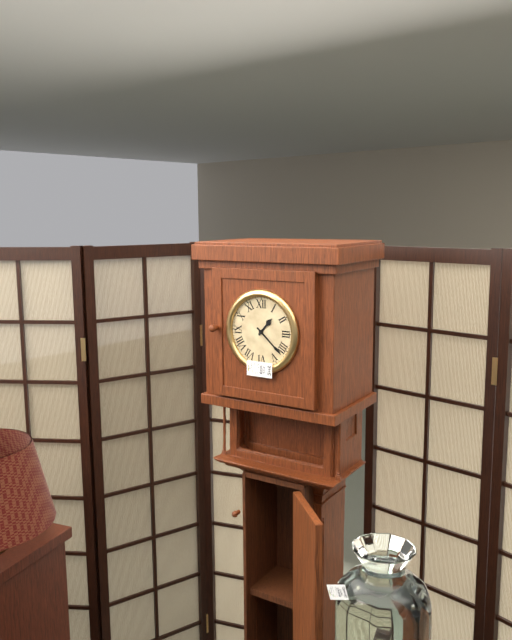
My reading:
1h22
